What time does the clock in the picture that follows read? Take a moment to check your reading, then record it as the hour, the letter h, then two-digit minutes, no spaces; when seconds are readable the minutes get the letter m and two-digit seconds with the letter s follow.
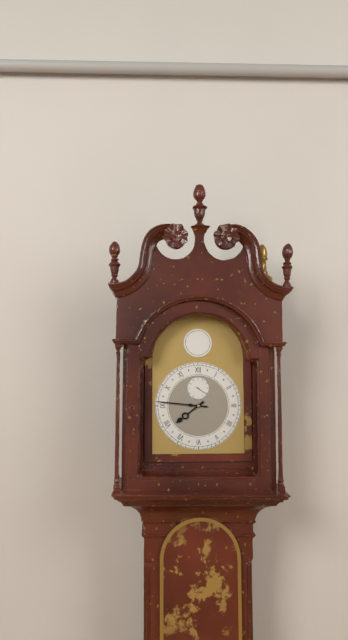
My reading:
7h46
